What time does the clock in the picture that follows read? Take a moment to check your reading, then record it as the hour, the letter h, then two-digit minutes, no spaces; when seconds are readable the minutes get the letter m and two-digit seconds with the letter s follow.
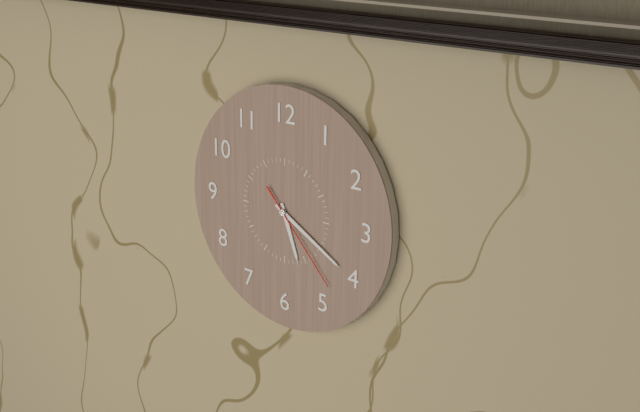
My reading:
5h20m23s
